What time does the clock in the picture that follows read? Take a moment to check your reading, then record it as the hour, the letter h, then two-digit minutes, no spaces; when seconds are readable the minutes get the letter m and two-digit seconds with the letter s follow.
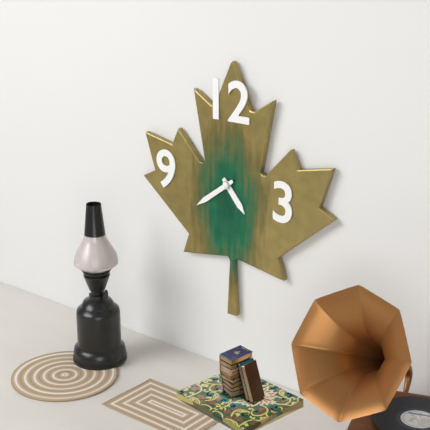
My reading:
4h39
